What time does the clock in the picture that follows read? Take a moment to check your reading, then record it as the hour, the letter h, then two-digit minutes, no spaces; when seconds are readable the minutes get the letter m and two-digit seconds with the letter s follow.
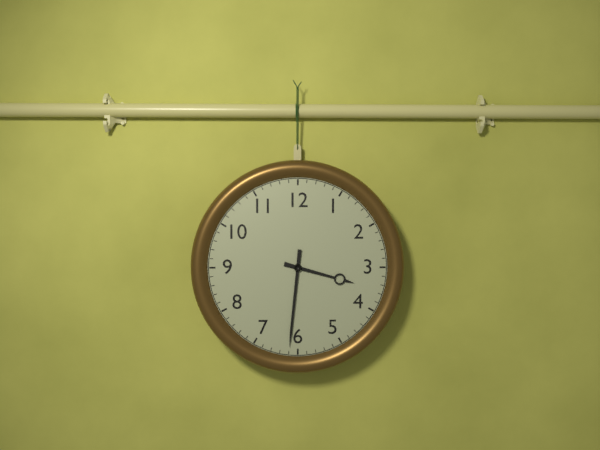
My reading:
3h31
